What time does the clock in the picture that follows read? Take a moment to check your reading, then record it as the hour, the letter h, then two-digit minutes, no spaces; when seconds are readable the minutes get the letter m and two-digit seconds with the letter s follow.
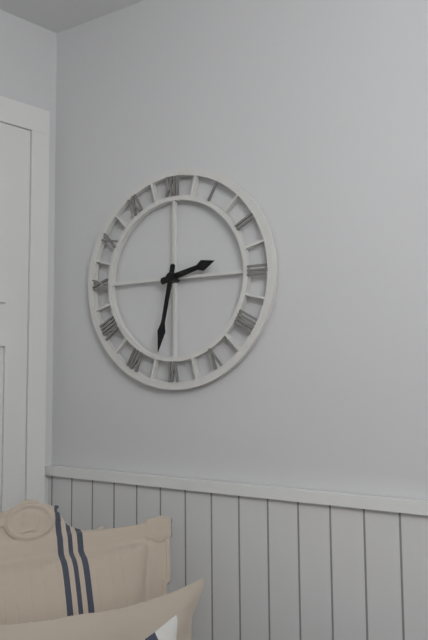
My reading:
2h32
